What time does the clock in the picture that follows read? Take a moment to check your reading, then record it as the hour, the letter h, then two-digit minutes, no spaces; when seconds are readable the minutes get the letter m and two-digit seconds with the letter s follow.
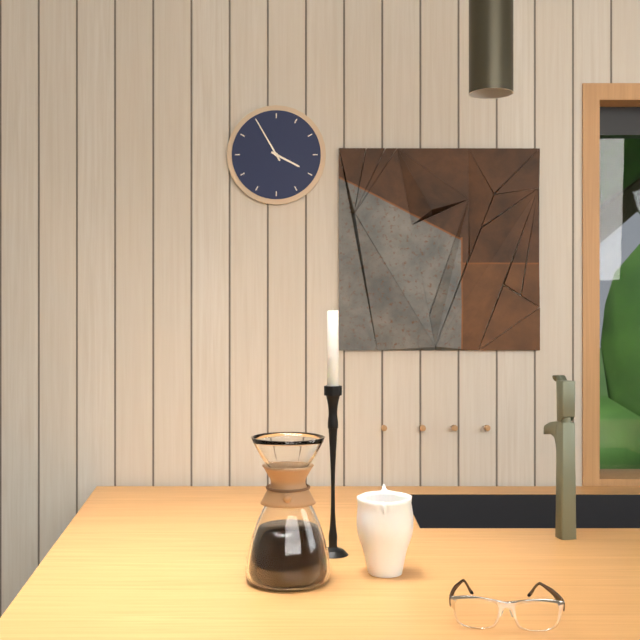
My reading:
3h55
